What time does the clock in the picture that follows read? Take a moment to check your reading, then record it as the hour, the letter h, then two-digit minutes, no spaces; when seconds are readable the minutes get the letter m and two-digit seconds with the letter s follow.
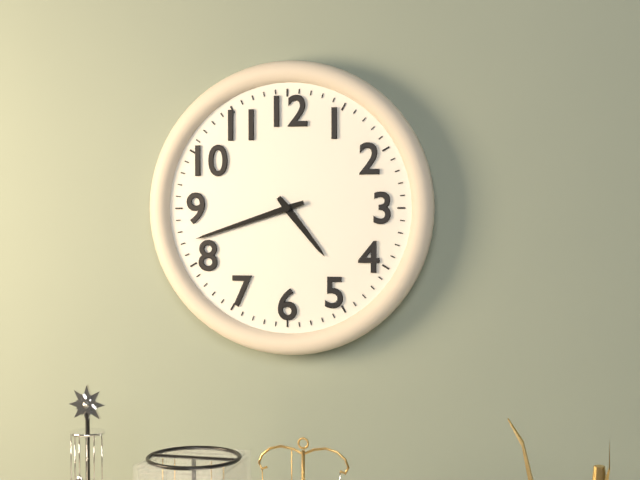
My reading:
4h42
